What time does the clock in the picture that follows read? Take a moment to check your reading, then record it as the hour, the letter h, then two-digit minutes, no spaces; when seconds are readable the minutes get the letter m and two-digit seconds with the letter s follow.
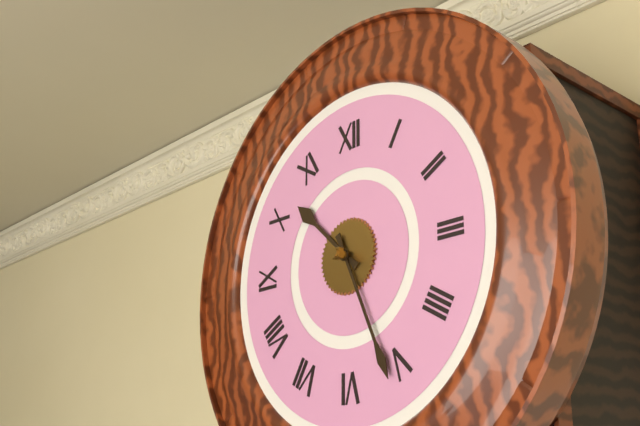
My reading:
10h26
